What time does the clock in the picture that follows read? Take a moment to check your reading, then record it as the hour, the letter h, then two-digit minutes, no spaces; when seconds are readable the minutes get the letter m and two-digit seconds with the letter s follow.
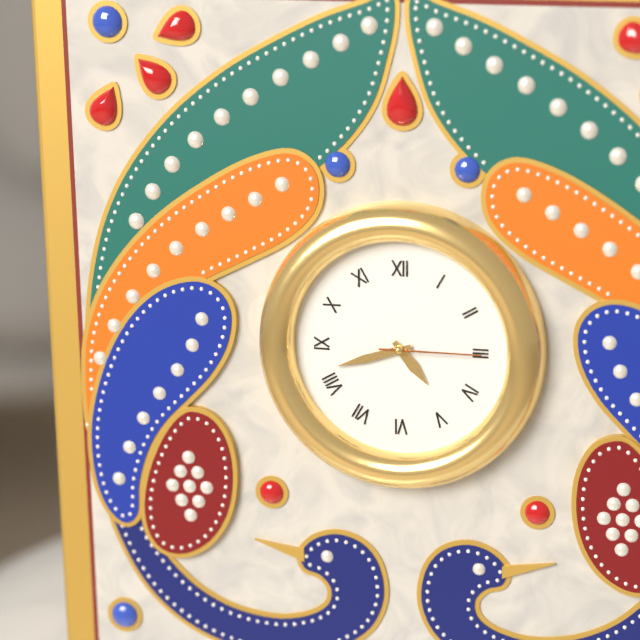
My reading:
4h42m15s
